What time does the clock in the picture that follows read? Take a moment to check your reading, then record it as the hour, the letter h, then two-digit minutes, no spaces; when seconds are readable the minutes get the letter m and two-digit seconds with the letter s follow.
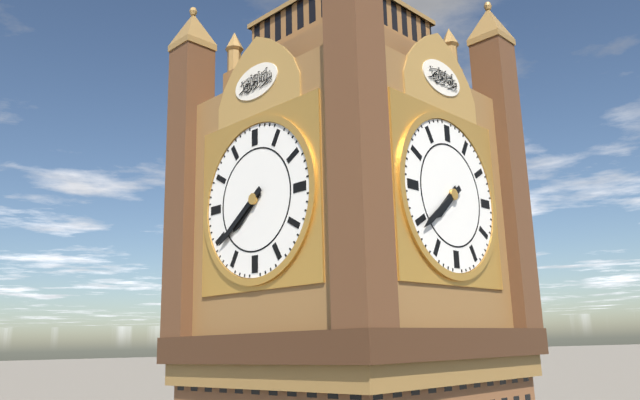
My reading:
7h39
